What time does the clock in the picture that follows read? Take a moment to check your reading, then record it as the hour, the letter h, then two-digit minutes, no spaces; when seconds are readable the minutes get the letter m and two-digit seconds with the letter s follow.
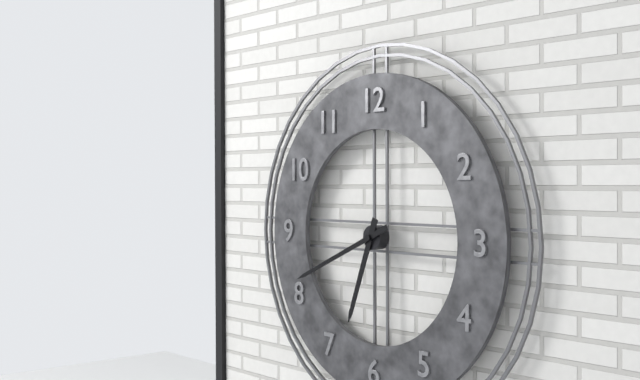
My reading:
6h41
